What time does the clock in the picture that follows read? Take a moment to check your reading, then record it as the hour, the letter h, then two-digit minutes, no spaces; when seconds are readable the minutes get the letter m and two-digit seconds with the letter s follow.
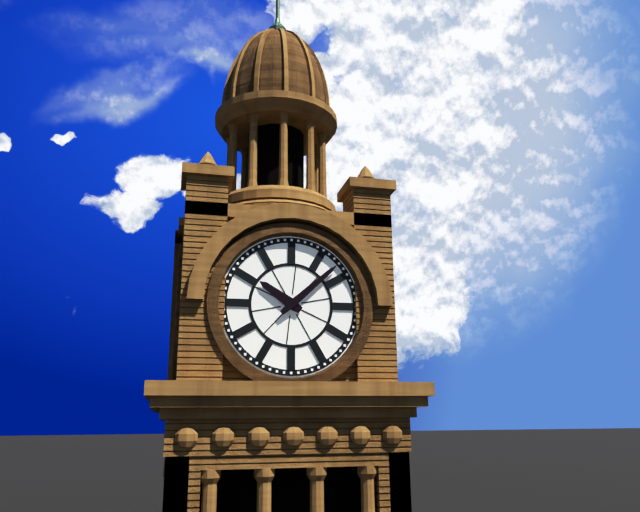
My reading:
10h08
